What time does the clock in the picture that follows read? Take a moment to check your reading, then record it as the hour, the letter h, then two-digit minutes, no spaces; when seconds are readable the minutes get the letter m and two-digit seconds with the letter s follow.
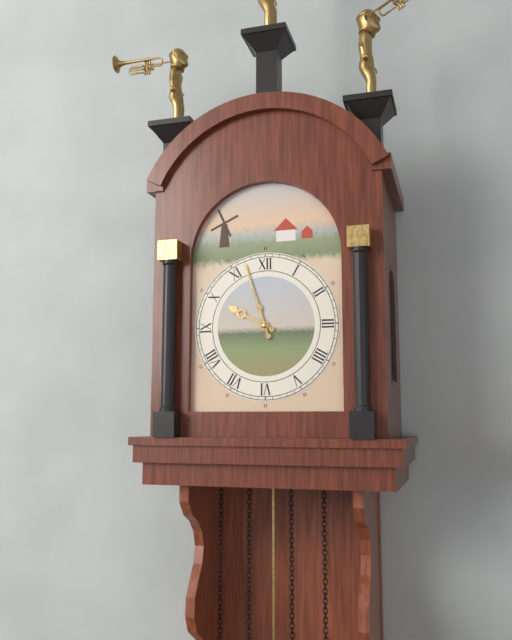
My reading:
9h57
